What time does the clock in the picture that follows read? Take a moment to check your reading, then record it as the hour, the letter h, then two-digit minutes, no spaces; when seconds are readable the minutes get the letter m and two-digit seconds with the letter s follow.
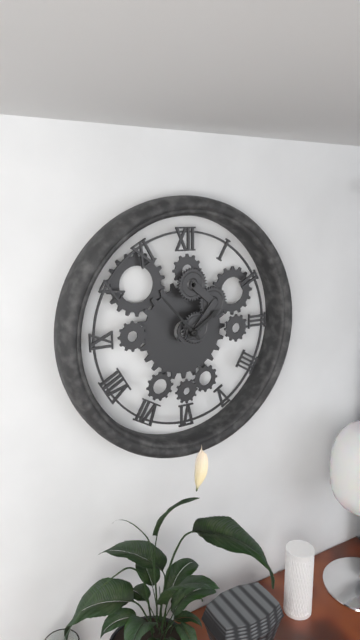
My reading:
1h53
